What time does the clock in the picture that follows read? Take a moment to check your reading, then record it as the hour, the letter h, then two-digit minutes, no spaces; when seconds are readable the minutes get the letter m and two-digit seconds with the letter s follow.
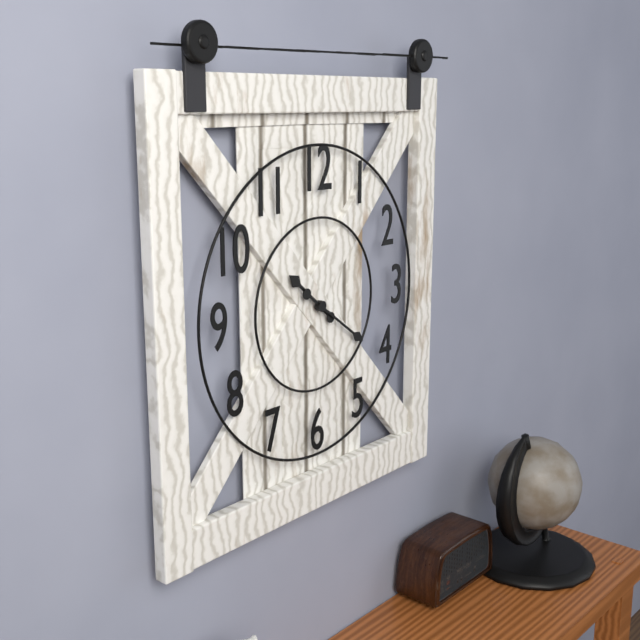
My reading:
10h21
